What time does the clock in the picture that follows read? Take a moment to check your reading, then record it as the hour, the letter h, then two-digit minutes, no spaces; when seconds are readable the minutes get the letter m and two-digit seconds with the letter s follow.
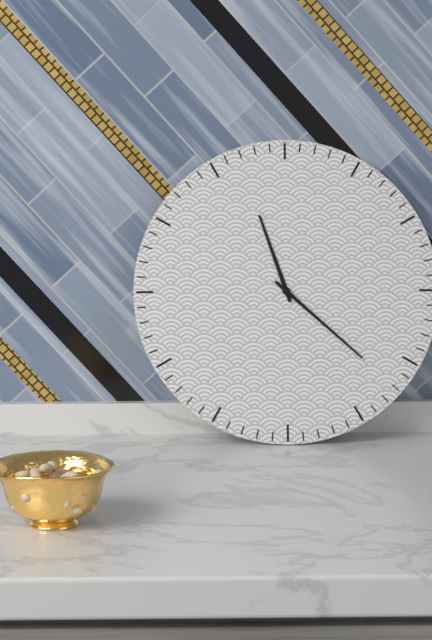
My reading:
11h22
